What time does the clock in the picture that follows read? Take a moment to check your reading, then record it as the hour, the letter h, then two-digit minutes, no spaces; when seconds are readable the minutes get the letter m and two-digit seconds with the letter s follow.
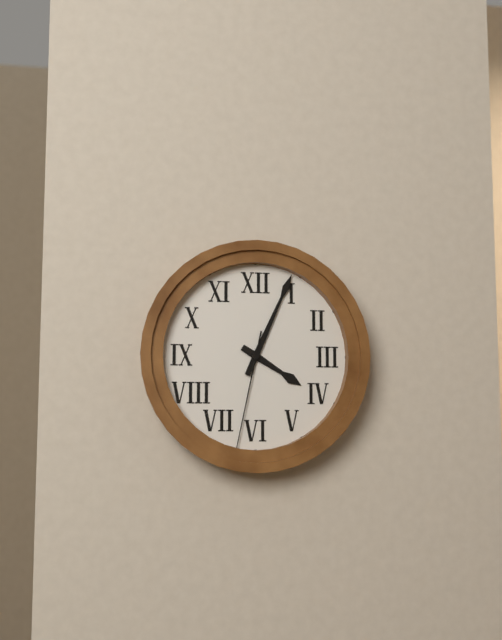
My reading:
4h04m32s
